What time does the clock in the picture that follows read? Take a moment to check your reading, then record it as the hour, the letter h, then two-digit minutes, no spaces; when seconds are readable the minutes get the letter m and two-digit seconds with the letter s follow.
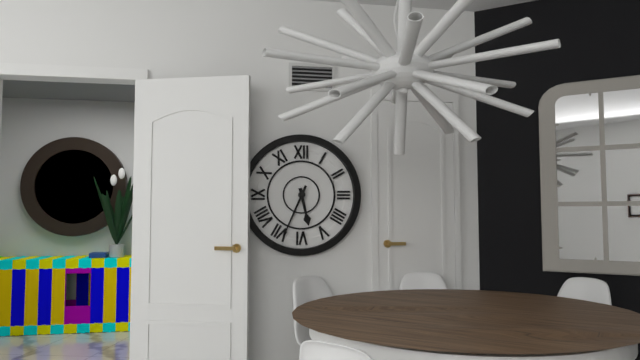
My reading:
5h34
